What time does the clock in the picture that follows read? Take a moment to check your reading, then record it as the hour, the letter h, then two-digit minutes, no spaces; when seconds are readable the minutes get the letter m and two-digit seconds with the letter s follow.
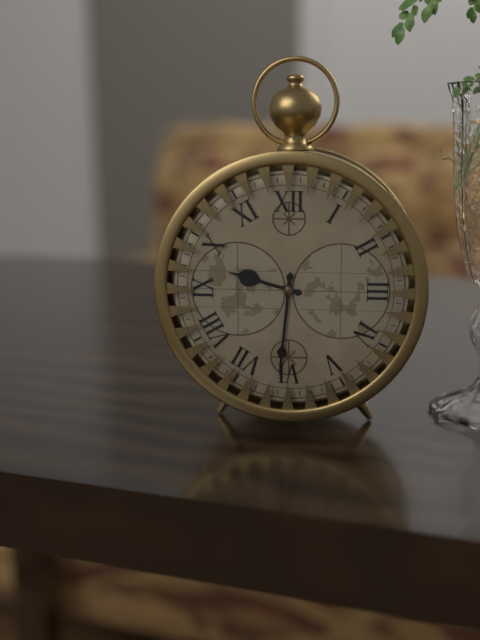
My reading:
9h31
